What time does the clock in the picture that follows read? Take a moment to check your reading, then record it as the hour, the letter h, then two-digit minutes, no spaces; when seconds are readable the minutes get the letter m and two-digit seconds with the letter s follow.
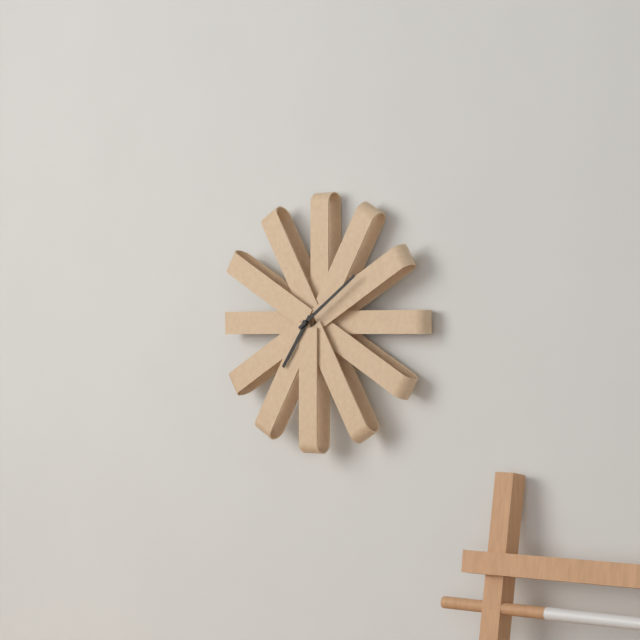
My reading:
7h09
